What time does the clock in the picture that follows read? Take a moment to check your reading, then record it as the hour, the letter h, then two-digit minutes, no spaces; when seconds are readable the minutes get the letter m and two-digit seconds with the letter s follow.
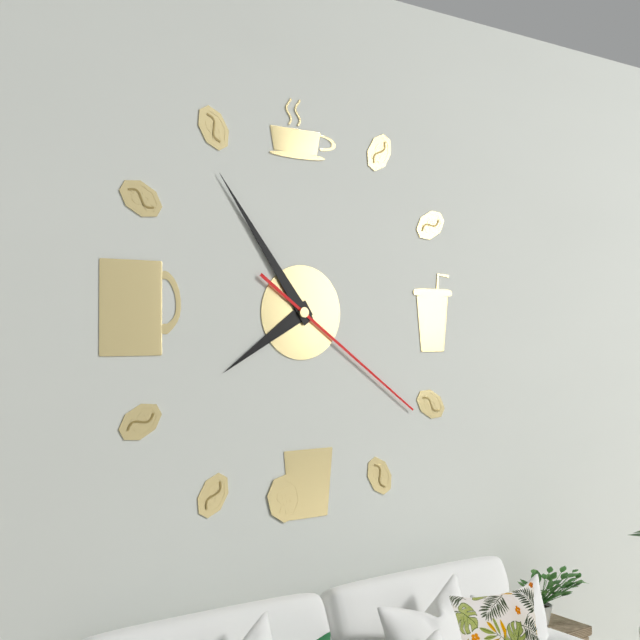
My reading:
7h54m21s
